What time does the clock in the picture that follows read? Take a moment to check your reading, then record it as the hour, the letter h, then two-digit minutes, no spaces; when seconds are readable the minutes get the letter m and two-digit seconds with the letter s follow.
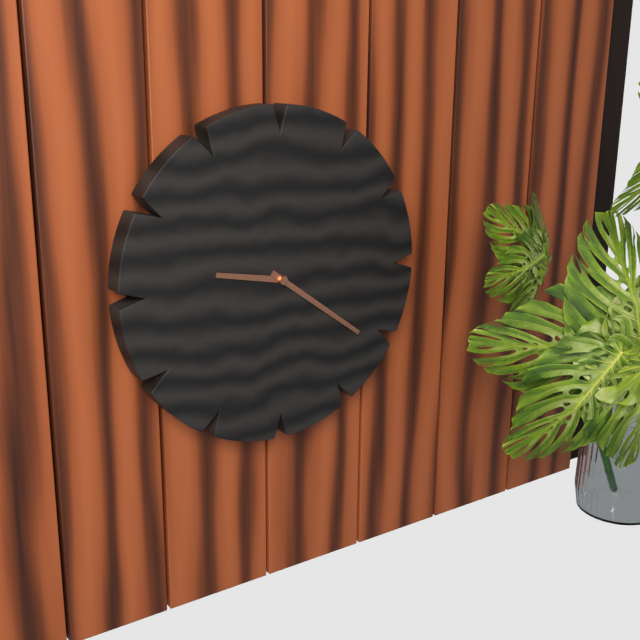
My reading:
9h21
